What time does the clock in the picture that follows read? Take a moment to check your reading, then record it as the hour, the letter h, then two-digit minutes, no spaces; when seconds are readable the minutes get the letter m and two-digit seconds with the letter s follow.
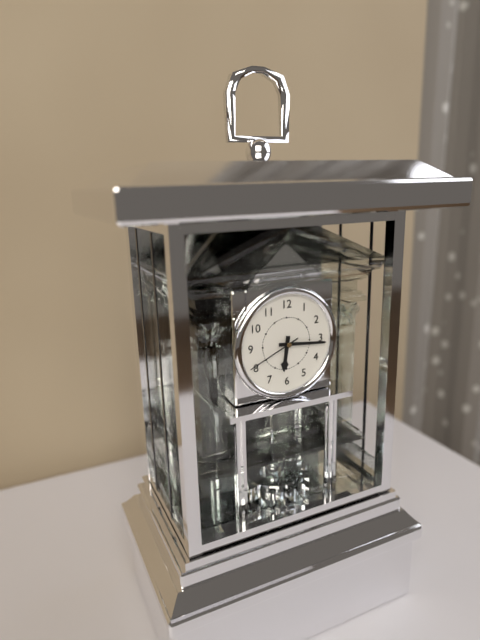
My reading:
6h16m41s
